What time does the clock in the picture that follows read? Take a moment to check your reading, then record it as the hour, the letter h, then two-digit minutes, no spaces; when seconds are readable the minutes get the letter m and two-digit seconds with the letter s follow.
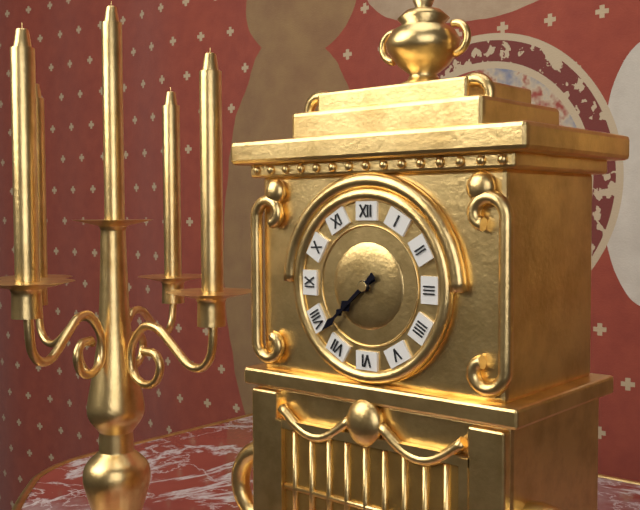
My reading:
7h38
